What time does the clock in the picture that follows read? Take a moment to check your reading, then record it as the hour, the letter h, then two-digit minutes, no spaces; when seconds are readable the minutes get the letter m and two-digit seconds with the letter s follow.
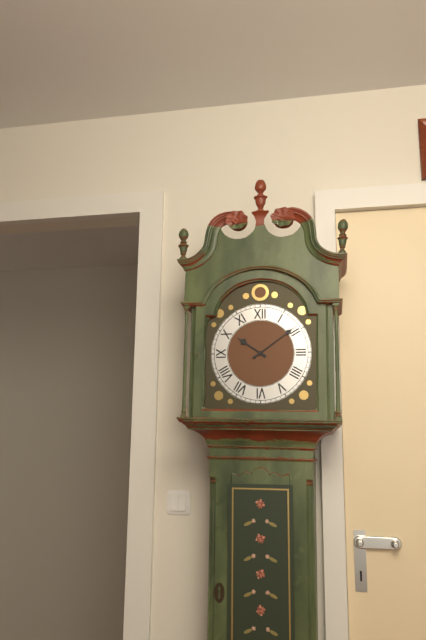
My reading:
10h09
